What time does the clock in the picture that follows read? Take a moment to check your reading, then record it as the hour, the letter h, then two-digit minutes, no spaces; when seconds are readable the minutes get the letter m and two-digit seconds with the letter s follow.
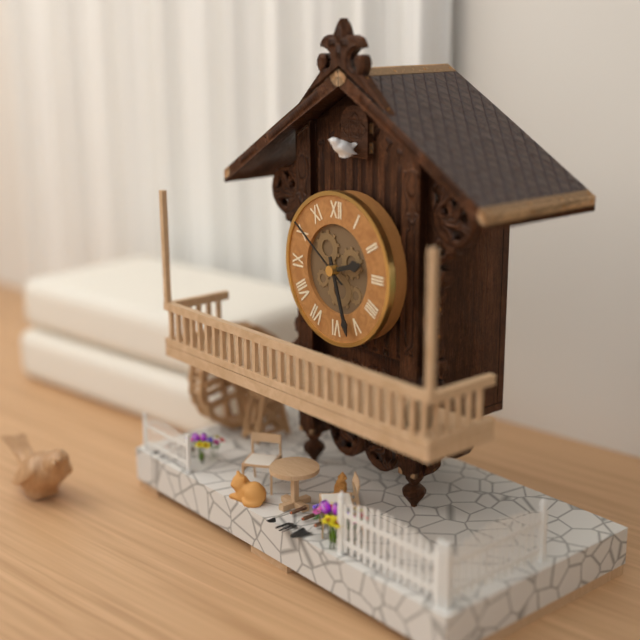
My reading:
2h27m51s
